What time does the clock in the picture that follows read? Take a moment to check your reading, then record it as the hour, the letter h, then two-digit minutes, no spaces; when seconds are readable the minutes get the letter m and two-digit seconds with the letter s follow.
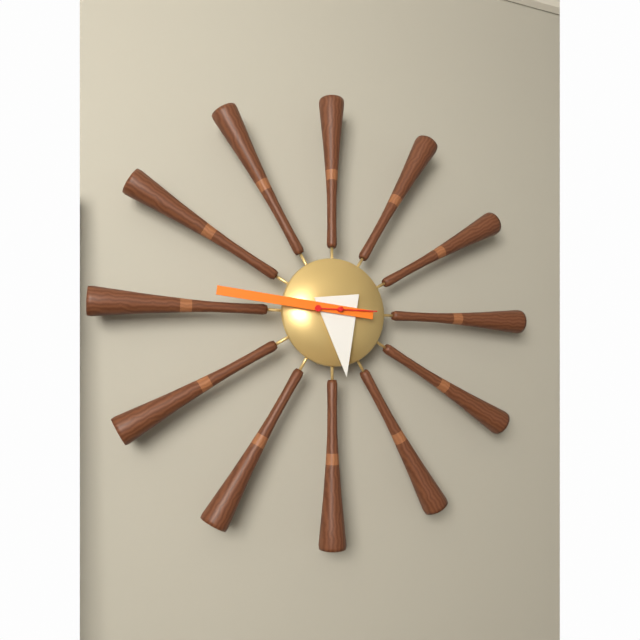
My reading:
5h46m15s
